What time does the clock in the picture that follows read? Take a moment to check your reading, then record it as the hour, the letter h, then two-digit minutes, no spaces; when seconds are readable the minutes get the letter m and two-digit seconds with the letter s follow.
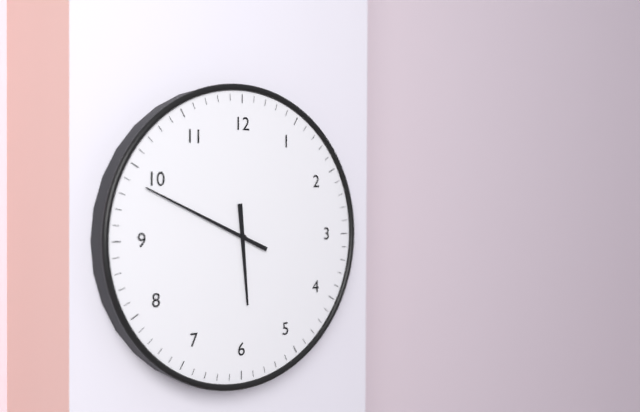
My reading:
5h49
